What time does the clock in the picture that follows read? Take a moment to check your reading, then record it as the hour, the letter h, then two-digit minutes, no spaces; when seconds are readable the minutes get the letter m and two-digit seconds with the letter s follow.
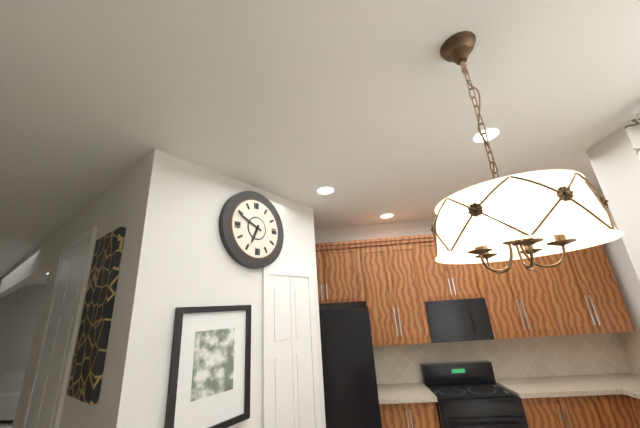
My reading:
6h49
